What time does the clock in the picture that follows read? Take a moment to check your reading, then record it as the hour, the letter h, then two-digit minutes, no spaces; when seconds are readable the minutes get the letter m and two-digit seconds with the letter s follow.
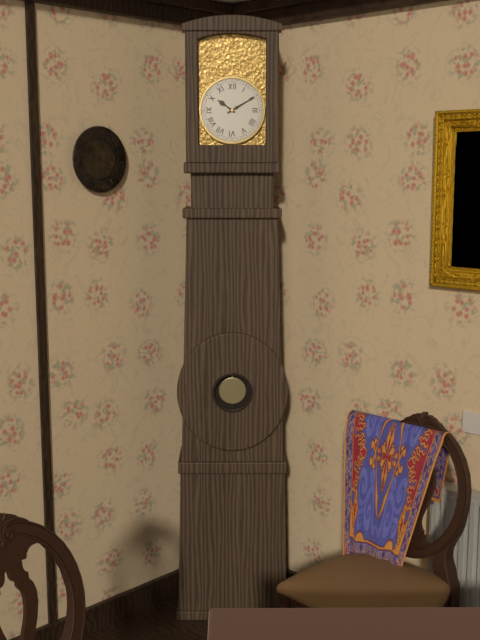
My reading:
10h10
